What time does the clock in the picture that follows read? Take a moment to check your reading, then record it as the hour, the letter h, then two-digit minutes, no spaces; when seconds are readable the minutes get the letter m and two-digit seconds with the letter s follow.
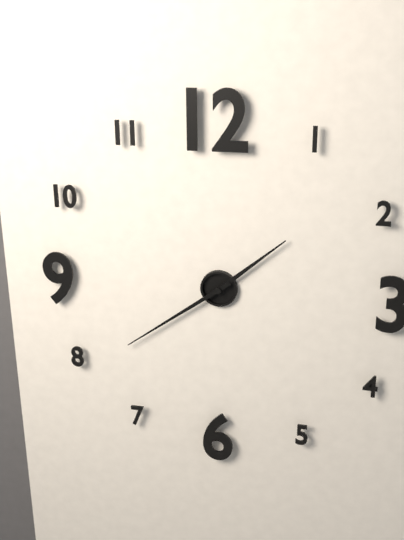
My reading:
1h39
